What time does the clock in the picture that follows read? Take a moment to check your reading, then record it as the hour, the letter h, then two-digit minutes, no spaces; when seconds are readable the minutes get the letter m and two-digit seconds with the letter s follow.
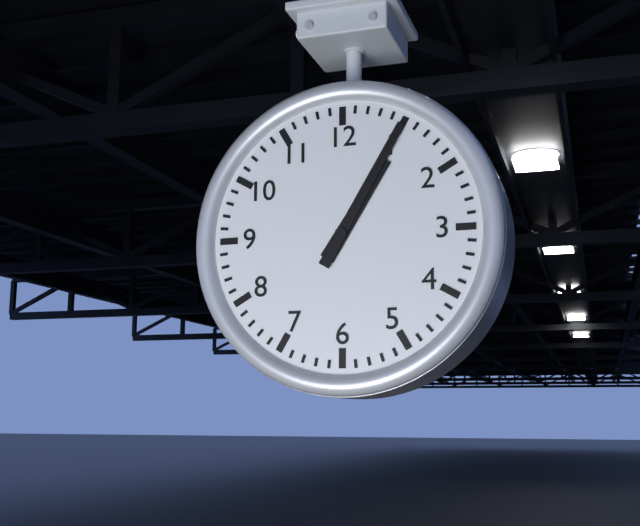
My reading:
1h05
